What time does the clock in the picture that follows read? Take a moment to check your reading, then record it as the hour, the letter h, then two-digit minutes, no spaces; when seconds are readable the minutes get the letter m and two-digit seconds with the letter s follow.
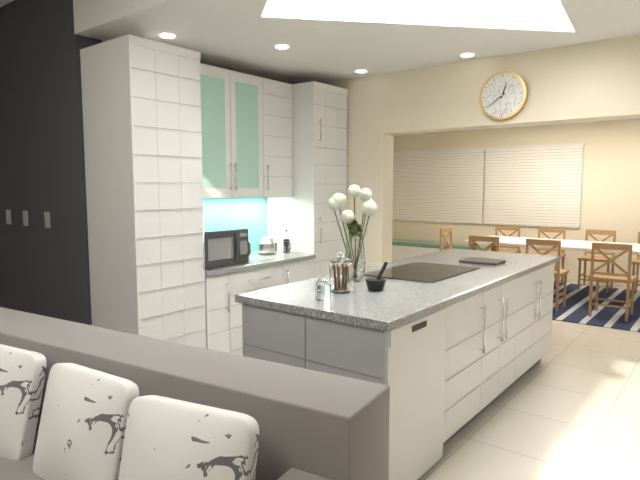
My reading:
12h39
